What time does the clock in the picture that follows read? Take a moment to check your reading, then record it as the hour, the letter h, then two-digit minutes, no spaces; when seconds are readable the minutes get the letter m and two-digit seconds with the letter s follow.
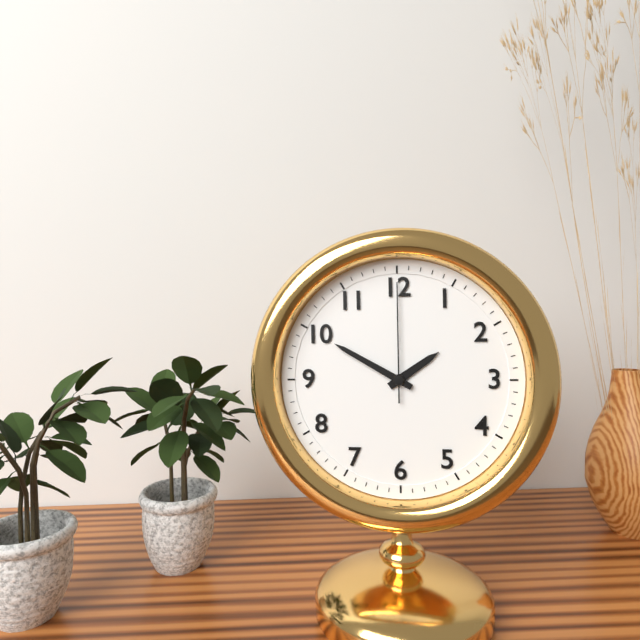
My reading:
1h50m00s
